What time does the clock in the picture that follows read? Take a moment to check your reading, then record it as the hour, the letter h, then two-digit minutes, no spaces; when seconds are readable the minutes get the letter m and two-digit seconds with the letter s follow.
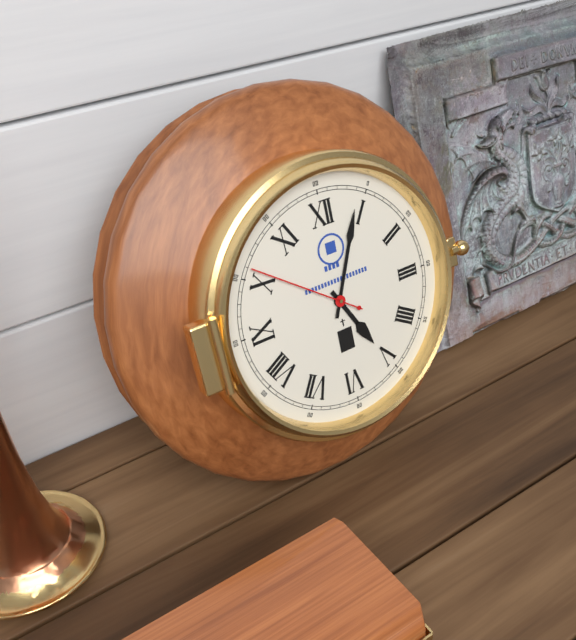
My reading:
5h04m51s
